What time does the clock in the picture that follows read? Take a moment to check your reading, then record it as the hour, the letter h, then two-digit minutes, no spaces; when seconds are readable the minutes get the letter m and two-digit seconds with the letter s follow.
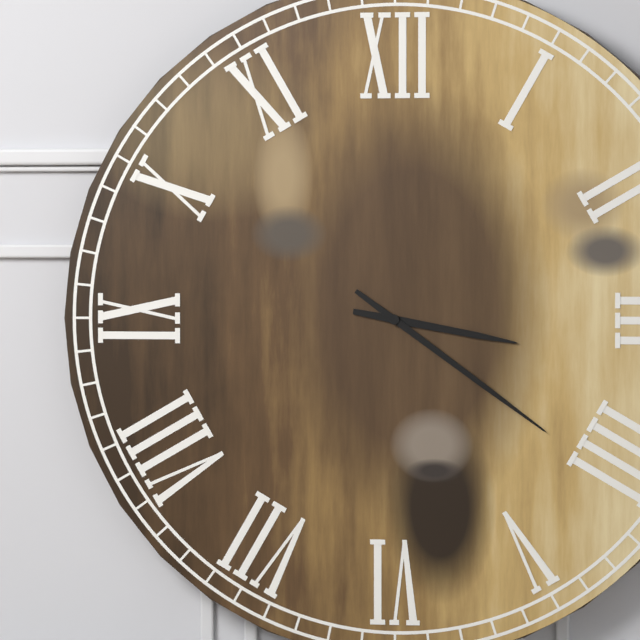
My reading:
3h21
